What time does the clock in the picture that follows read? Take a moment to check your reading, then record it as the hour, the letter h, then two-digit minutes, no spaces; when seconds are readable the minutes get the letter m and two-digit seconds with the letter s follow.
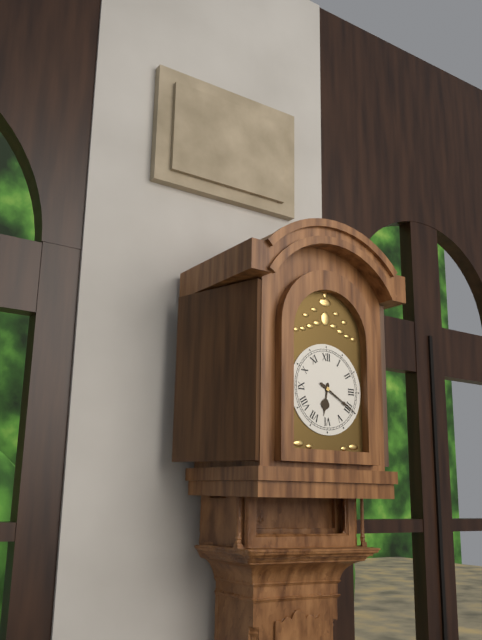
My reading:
6h20
